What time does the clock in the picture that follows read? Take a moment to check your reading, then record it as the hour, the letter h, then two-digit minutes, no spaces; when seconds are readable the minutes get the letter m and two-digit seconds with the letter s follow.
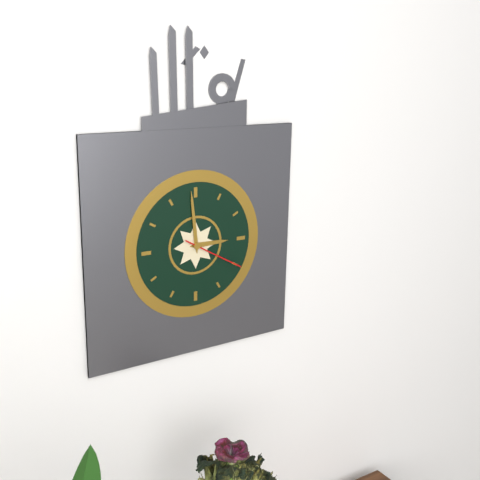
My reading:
2h59m20s
